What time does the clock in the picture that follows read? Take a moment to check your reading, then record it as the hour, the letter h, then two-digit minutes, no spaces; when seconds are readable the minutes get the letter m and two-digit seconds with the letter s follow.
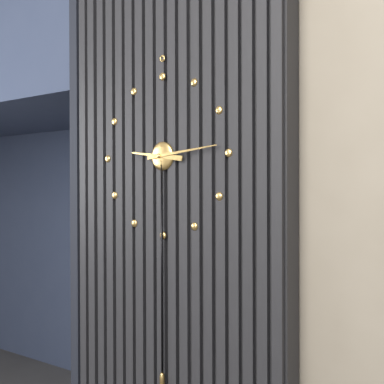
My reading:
9h14
